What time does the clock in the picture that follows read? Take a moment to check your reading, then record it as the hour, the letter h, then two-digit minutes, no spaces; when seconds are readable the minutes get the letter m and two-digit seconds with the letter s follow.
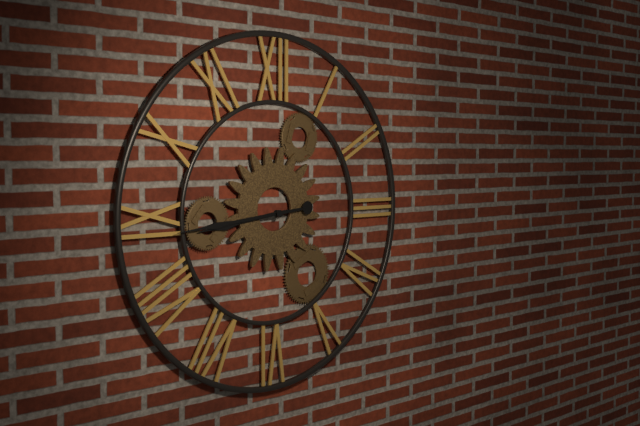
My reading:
8h44
